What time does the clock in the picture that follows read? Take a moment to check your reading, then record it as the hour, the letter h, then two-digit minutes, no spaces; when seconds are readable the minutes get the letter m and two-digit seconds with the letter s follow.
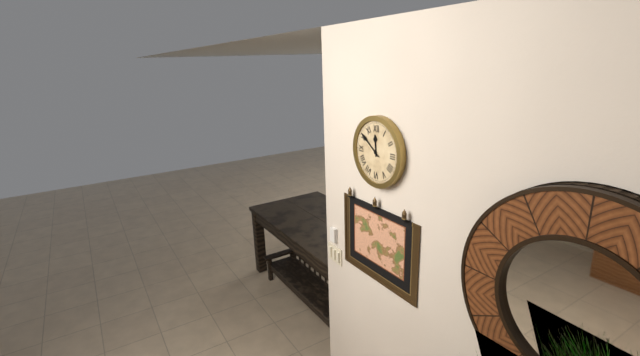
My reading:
11h51
